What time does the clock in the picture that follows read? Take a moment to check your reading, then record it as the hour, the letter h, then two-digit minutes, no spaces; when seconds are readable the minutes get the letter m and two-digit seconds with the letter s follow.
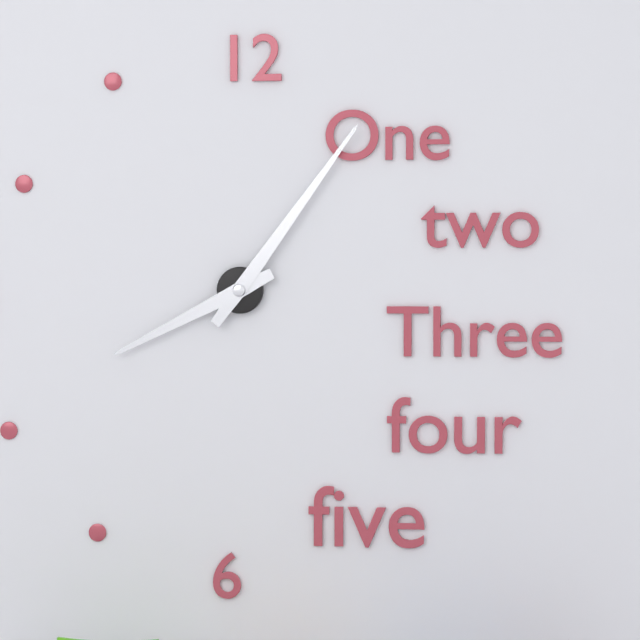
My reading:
8h06
